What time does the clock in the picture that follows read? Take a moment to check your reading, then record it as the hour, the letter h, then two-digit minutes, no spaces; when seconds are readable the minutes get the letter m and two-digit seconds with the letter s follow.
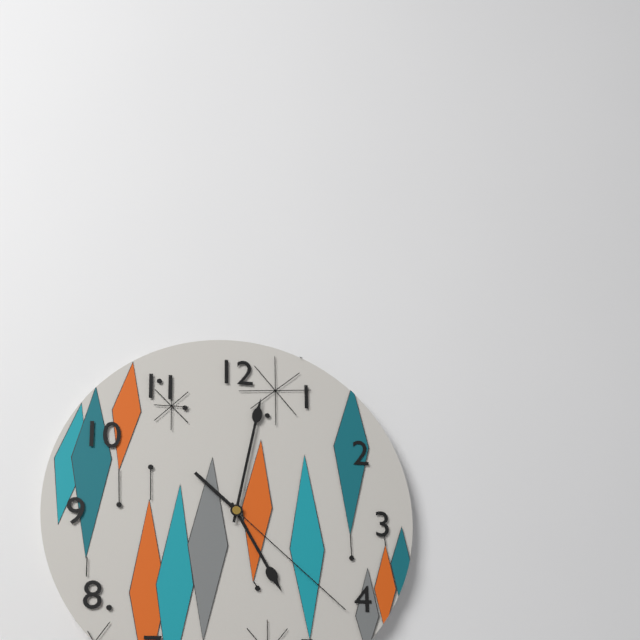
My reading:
5h02m22s
